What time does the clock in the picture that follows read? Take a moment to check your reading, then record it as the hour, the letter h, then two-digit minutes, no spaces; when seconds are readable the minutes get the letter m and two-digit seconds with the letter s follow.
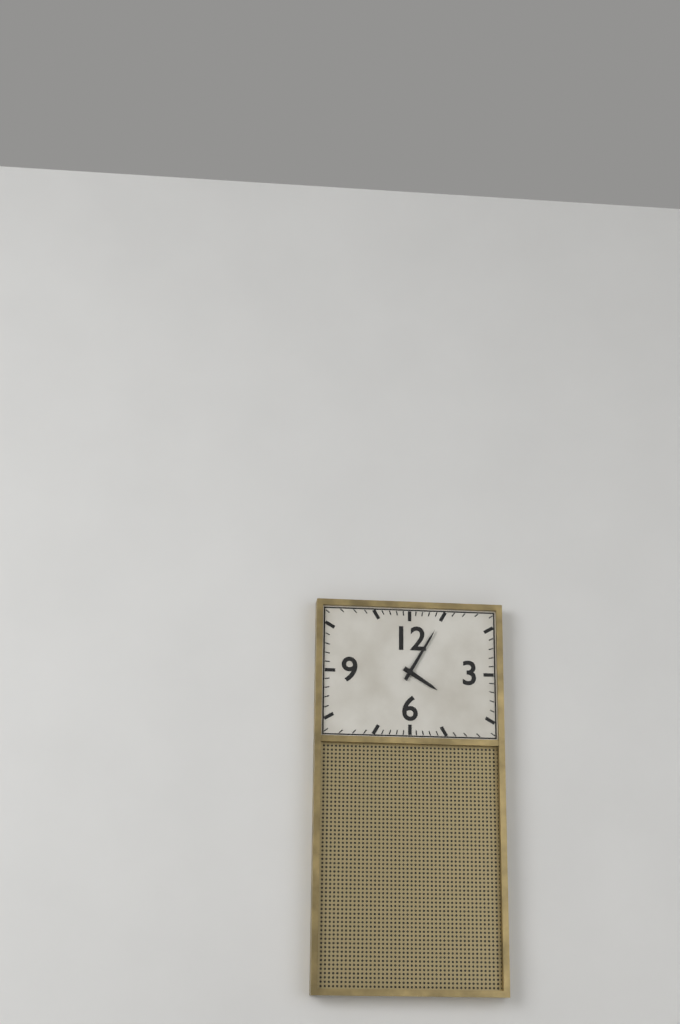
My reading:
4h05
